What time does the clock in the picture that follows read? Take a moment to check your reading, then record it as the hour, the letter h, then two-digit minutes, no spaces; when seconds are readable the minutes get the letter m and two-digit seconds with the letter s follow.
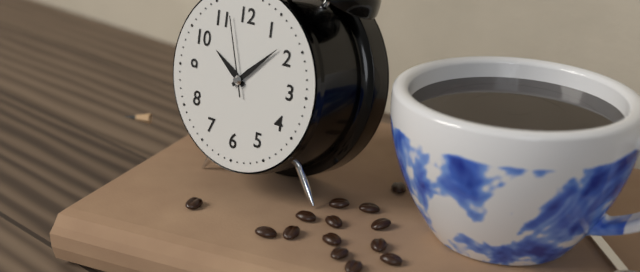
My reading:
10h08m57s
